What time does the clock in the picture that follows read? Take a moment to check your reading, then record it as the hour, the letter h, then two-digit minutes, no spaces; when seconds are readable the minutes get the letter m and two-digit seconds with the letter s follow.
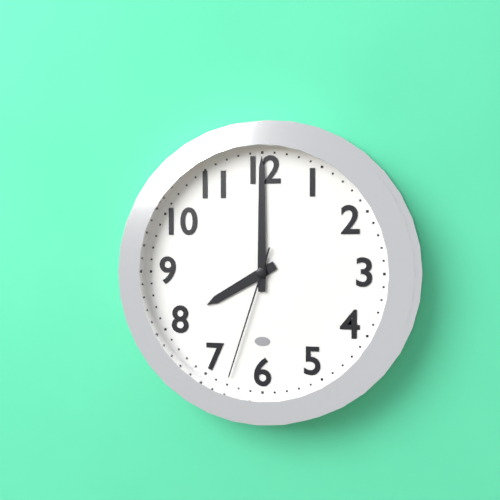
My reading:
8h00m33s
